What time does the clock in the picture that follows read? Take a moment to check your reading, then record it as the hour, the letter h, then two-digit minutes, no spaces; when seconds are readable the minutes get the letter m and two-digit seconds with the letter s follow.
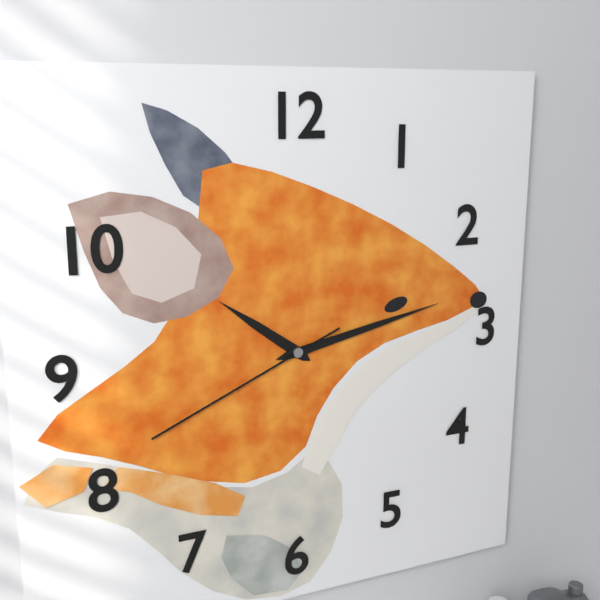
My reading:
10h13m41s
